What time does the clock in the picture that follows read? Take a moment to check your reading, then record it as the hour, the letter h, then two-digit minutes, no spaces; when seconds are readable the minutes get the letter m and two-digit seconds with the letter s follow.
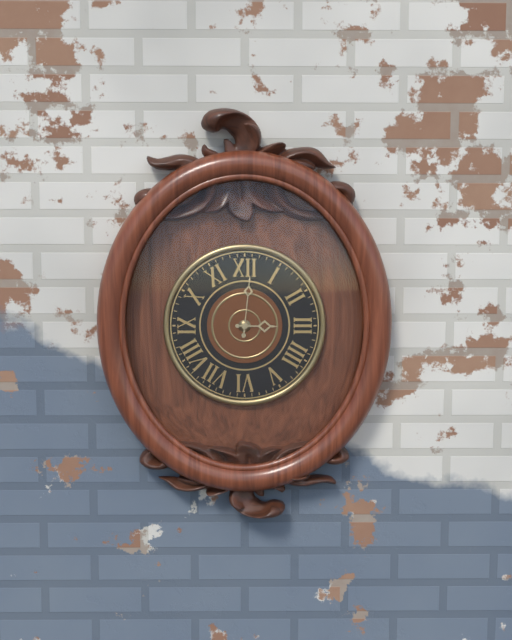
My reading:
3h01
